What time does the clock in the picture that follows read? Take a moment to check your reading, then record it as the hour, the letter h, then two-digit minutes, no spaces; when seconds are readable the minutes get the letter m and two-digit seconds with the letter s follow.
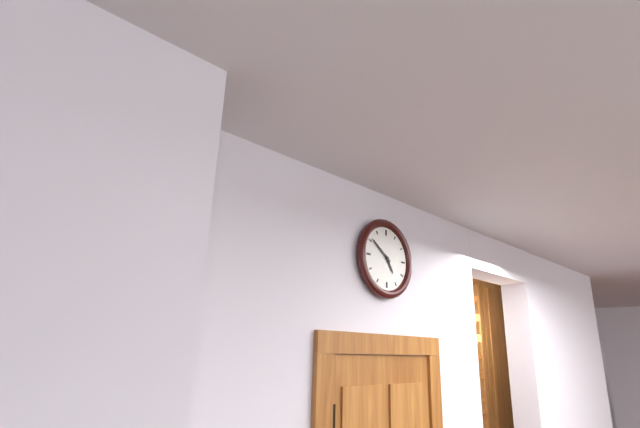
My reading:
4h51
